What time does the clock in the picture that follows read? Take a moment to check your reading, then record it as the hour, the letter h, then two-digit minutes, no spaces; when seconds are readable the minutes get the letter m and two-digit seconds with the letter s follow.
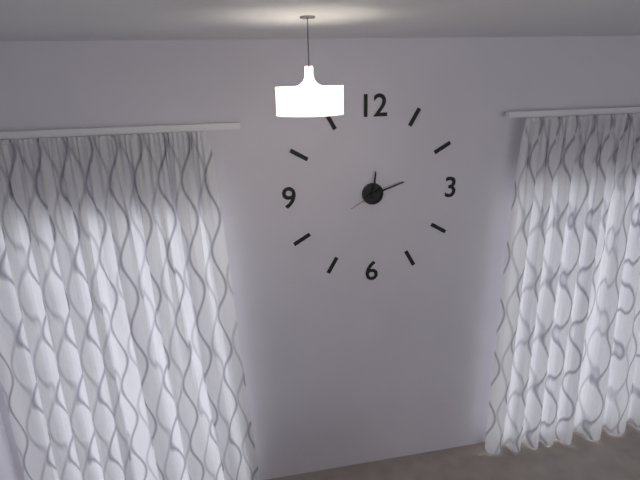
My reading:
12h12
